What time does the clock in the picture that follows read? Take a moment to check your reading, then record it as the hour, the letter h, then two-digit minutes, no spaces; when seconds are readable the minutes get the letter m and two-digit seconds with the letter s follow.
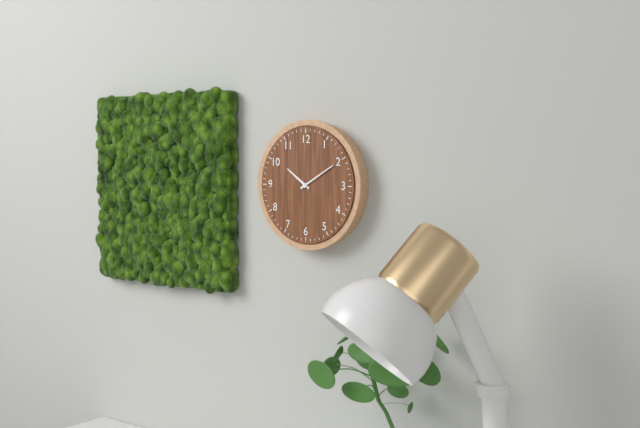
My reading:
10h10
